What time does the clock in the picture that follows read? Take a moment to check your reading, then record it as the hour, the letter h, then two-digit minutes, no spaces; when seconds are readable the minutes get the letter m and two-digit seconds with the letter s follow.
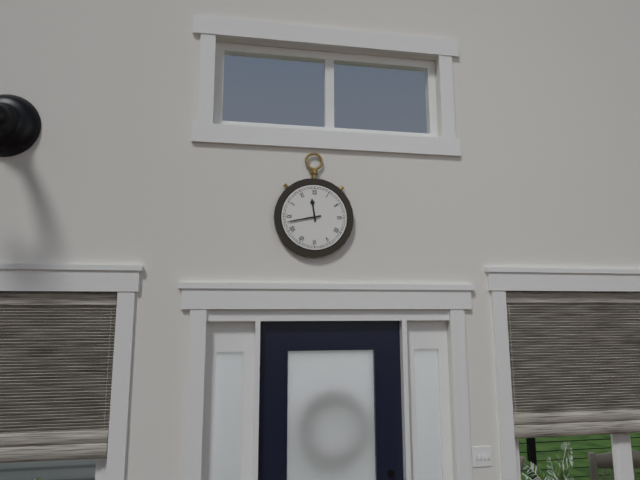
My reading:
11h43
